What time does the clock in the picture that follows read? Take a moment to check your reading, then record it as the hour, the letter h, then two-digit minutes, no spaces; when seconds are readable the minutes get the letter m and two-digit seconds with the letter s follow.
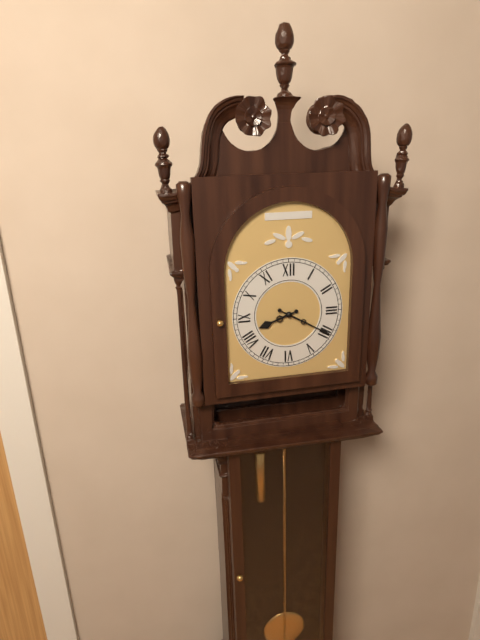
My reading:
8h20
